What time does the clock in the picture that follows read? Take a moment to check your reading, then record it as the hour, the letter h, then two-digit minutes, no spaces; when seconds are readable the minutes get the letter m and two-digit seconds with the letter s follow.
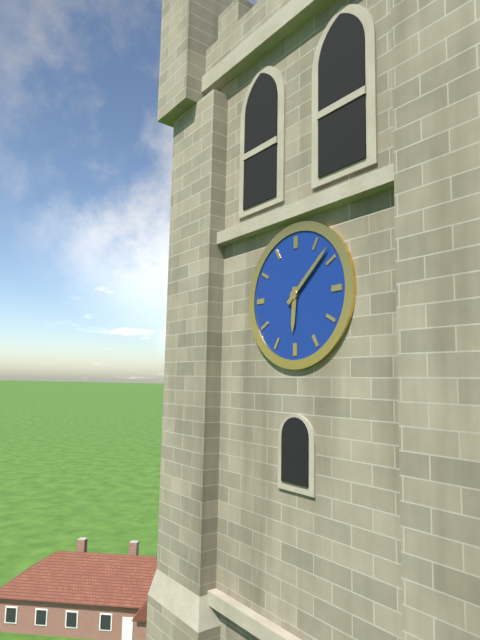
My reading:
6h08
